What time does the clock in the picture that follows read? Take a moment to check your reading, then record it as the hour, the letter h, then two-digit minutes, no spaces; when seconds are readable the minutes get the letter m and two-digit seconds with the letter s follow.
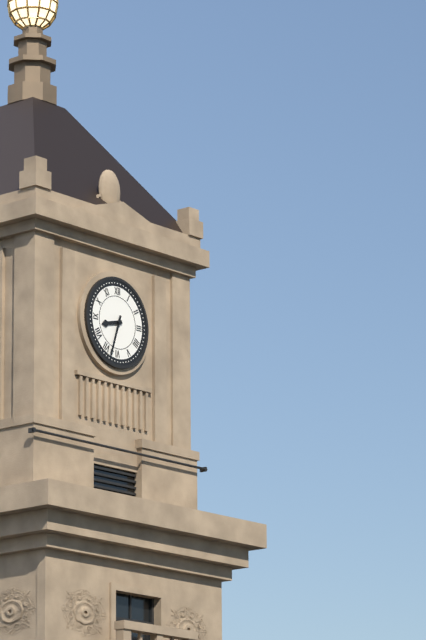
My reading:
8h33
